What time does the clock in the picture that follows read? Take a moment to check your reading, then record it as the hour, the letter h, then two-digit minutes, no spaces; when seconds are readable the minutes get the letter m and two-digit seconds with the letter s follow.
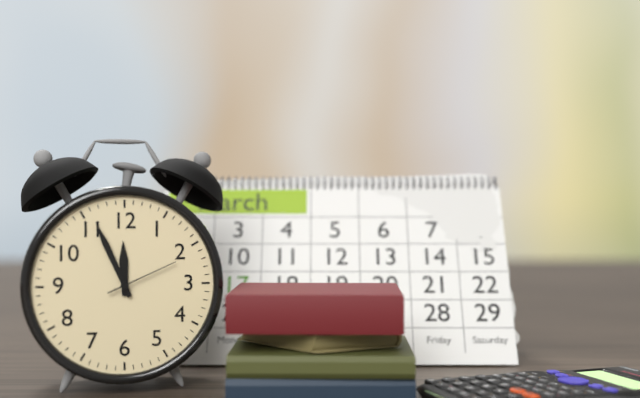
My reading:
11h56m11s
